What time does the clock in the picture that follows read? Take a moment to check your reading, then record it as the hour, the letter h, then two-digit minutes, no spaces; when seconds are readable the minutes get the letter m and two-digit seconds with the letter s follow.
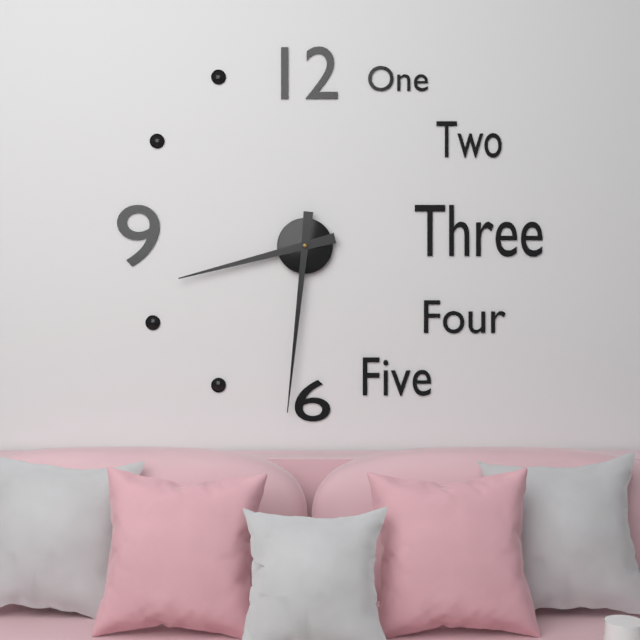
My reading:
8h31
